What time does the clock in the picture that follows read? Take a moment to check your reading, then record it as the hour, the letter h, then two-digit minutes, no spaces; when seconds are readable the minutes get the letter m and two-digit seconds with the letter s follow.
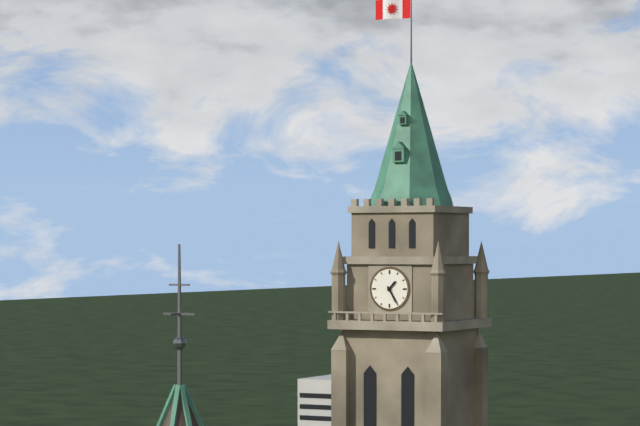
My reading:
1h25
